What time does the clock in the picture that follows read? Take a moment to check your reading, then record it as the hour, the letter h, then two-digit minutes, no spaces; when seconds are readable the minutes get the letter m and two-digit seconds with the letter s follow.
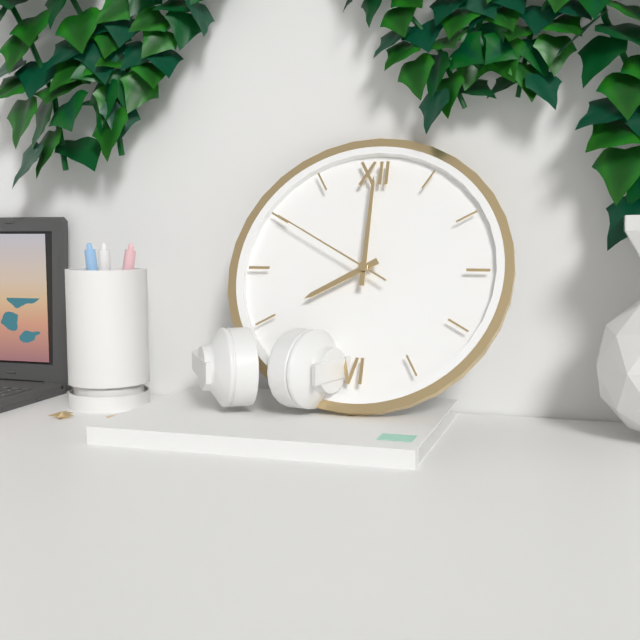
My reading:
8h00m50s
